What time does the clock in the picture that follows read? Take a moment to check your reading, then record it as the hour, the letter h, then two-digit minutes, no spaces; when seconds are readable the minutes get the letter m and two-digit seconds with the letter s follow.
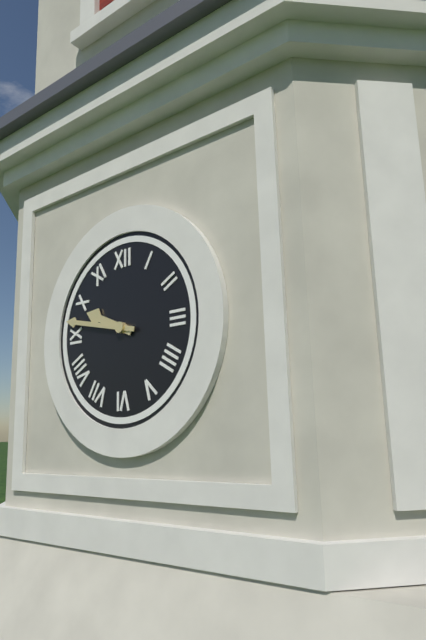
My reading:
9h47
